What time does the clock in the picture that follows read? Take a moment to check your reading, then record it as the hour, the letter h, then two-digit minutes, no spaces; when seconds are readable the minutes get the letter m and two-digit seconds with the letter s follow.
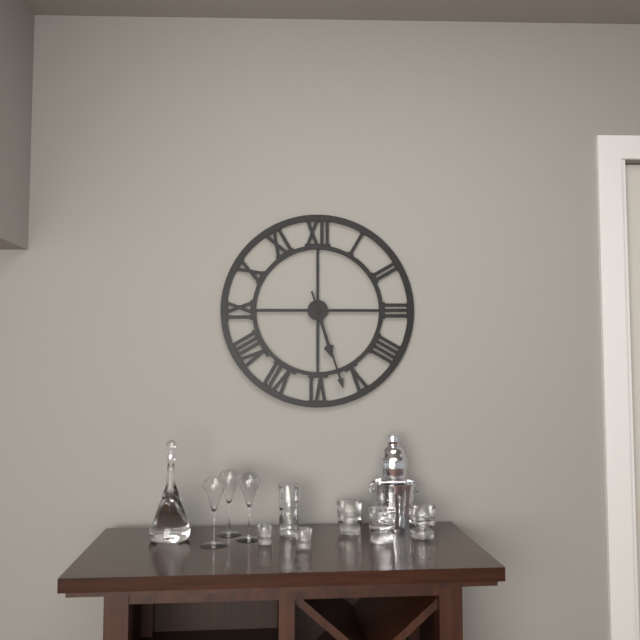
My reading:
5h27
